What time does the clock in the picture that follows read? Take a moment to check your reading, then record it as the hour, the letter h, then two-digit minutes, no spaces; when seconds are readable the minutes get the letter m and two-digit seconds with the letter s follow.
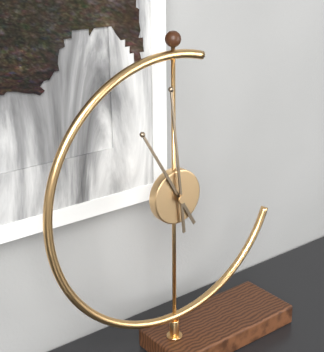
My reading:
10h59
